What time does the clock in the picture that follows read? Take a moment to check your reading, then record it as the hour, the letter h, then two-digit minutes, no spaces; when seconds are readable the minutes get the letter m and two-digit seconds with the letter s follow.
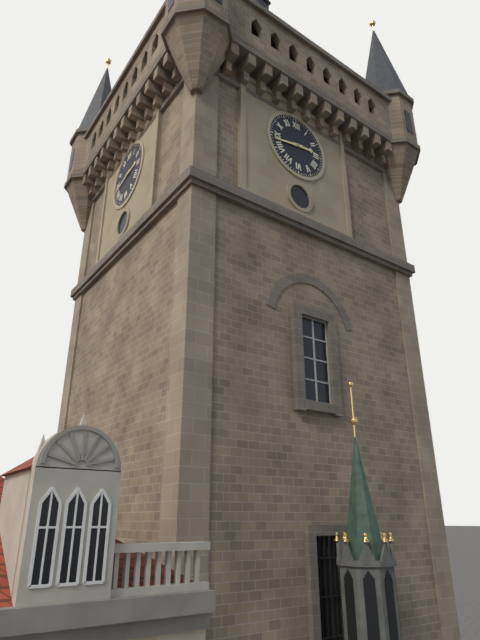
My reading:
2h43
